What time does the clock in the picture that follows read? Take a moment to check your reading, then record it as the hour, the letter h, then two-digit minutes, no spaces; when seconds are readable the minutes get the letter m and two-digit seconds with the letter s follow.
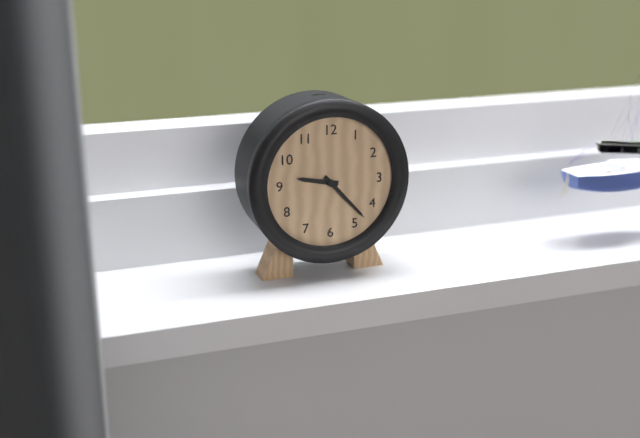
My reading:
9h23
